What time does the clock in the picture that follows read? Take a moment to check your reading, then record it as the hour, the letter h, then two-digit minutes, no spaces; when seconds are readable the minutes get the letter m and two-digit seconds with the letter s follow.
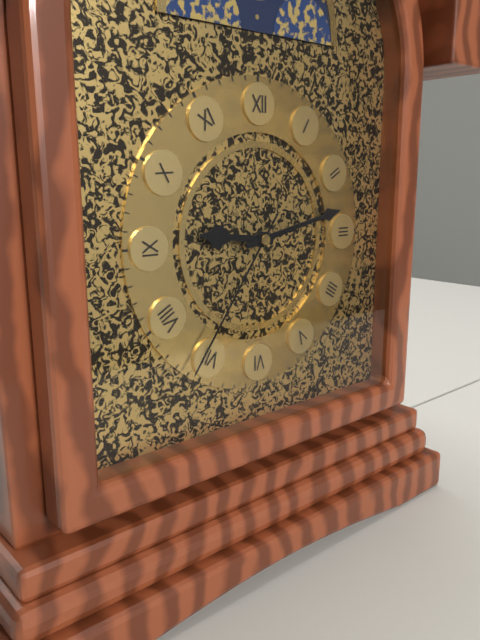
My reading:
9h13m36s
